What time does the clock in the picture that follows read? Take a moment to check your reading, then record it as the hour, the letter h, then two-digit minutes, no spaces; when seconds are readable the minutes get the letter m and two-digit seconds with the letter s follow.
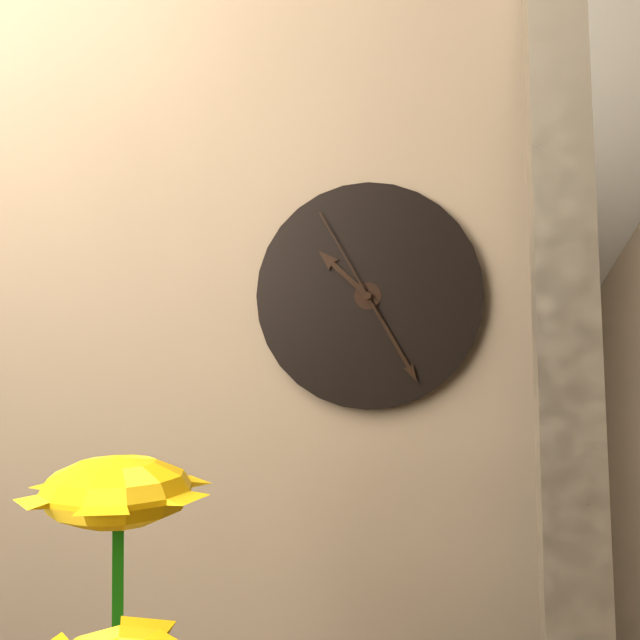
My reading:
10h25m55s
